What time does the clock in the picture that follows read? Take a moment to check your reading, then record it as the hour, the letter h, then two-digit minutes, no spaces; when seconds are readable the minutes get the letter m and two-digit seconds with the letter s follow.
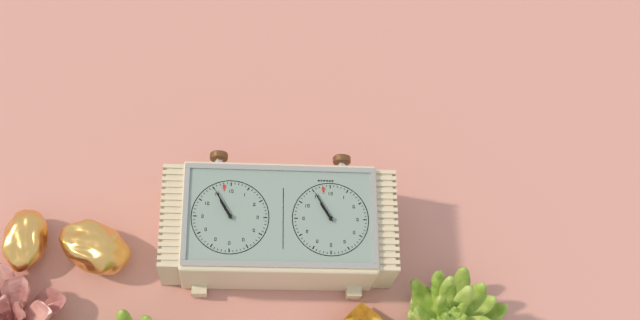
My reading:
10h55
